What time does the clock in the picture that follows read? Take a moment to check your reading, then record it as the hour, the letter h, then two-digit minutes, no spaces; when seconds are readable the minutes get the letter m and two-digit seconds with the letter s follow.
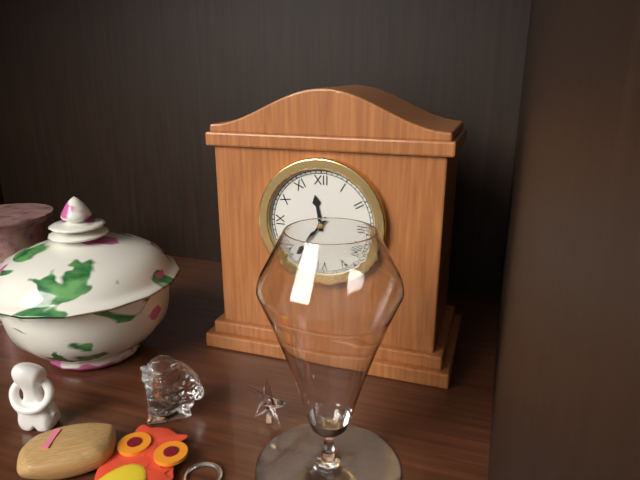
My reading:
11h36
